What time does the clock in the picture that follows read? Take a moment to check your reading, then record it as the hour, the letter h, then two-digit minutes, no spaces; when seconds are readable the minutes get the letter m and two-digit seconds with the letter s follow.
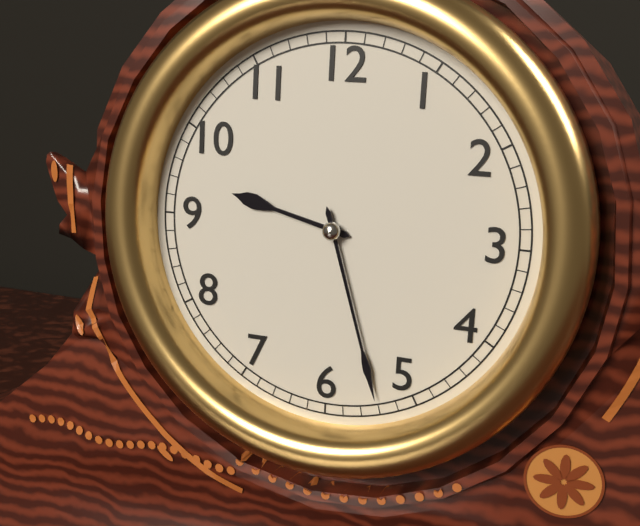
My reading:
9h27
